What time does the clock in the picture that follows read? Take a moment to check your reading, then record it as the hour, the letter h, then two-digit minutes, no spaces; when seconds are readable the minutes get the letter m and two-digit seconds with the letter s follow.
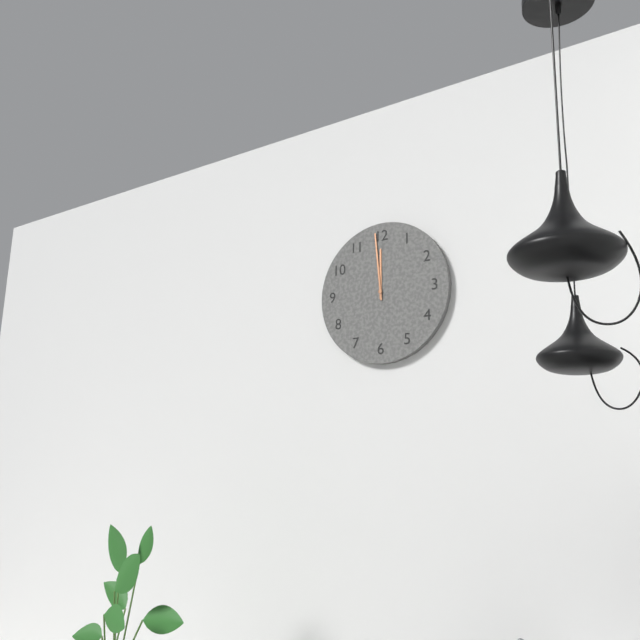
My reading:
11h59
